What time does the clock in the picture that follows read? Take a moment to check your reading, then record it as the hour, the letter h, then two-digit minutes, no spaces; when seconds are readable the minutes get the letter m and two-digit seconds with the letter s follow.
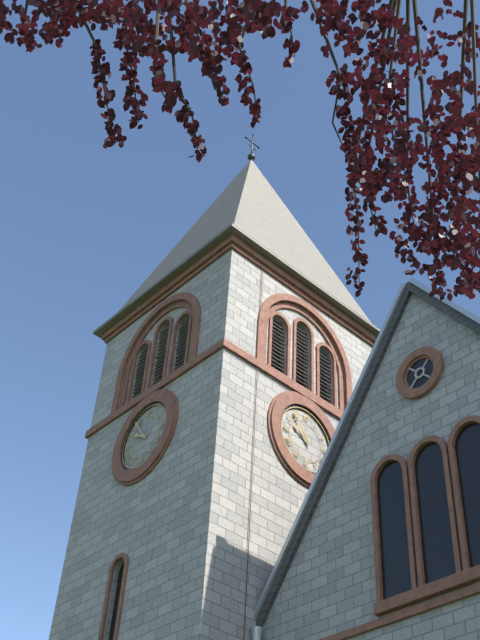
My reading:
9h54
